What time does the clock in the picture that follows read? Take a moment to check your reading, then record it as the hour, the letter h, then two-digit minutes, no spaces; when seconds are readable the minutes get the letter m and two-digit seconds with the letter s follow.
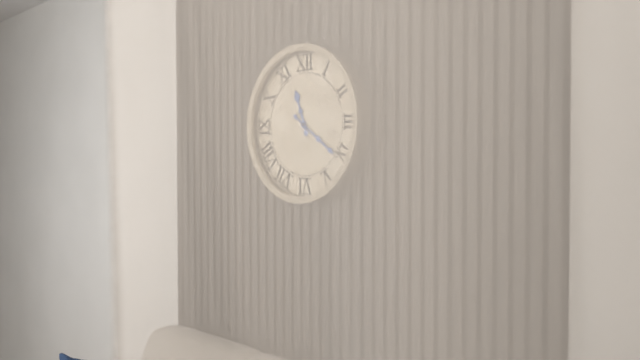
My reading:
11h21
